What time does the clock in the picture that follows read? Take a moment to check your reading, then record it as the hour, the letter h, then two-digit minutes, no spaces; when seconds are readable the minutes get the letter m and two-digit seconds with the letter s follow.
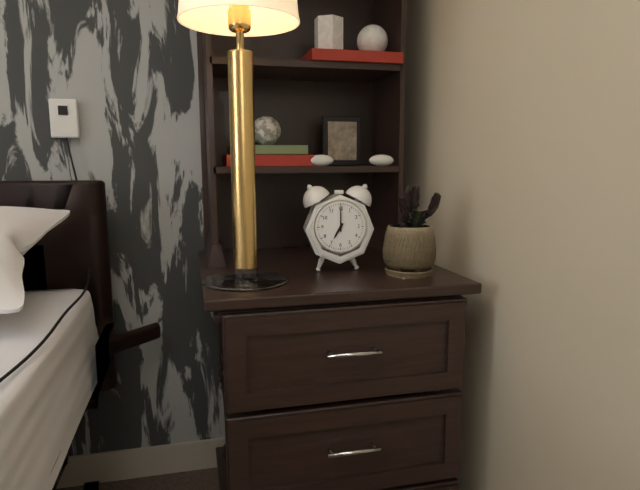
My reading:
7h00
